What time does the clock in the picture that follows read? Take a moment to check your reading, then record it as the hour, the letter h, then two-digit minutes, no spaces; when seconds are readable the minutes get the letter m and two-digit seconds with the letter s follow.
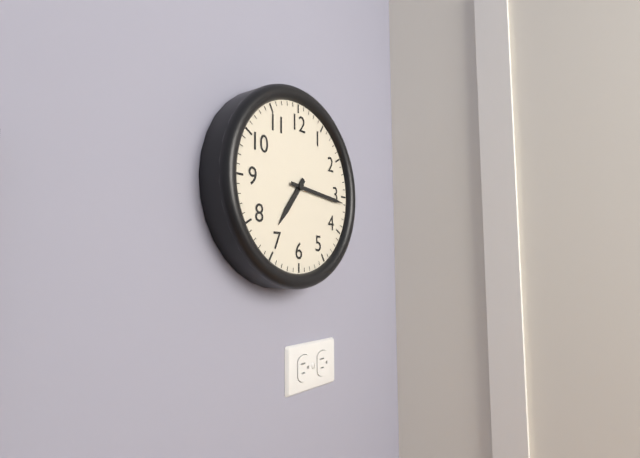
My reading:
7h16
